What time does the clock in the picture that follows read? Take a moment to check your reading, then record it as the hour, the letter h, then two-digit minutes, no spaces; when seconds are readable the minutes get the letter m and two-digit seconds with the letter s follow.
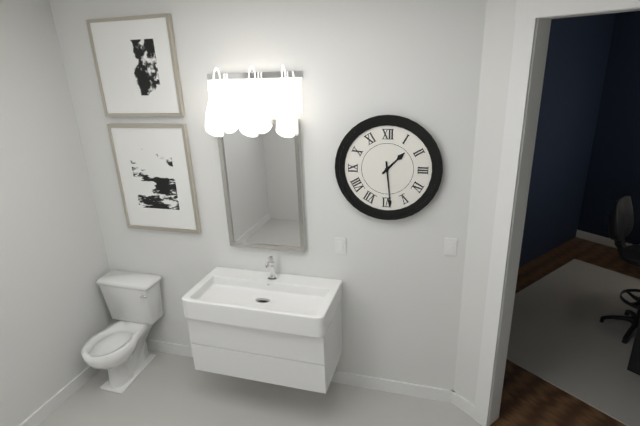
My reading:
1h29
